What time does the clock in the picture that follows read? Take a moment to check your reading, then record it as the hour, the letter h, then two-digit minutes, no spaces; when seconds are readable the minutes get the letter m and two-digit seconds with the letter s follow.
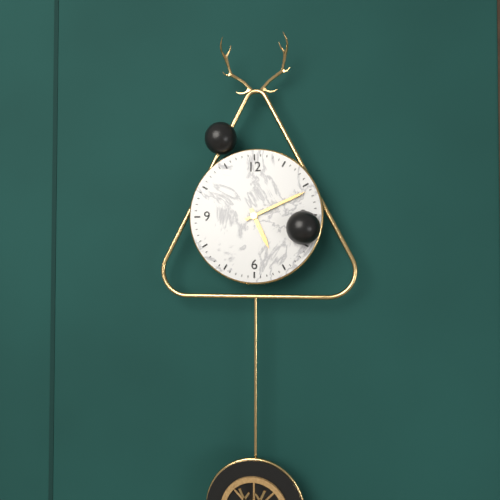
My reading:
5h11
